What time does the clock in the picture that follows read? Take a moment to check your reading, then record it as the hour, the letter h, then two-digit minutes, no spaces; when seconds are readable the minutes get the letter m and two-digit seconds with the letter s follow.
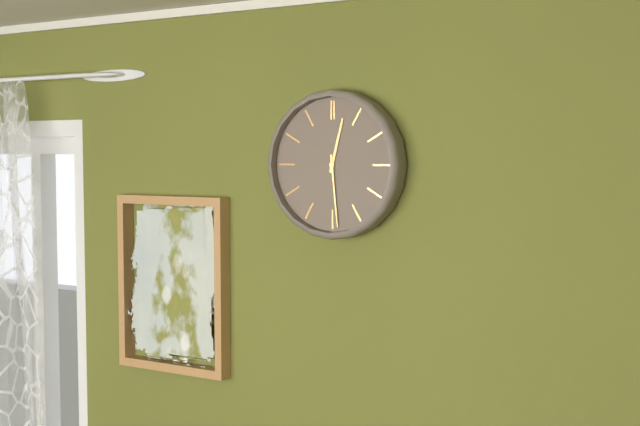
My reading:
12h29
